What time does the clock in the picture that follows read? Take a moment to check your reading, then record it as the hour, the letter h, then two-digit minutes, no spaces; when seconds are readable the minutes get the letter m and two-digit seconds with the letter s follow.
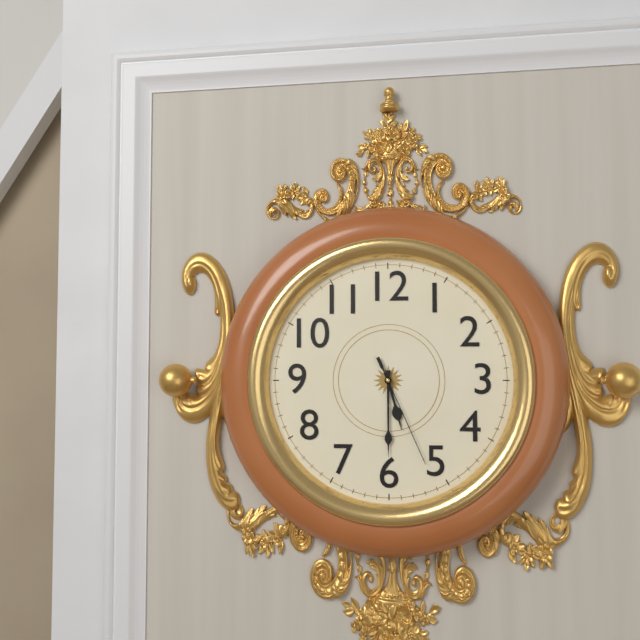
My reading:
5h30m26s
